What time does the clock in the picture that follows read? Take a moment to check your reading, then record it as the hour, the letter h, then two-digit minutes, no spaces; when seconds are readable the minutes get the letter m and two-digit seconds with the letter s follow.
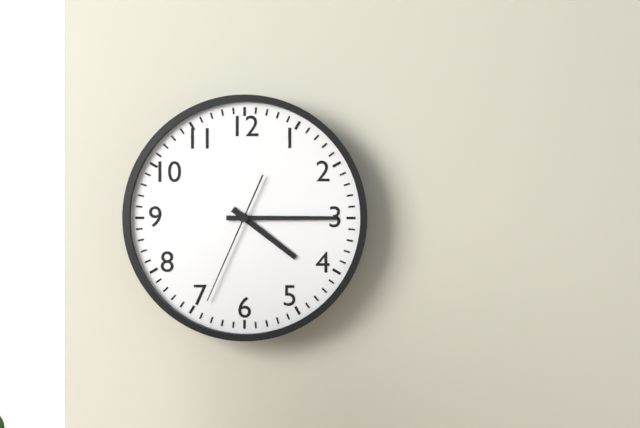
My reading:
4h15m34s
